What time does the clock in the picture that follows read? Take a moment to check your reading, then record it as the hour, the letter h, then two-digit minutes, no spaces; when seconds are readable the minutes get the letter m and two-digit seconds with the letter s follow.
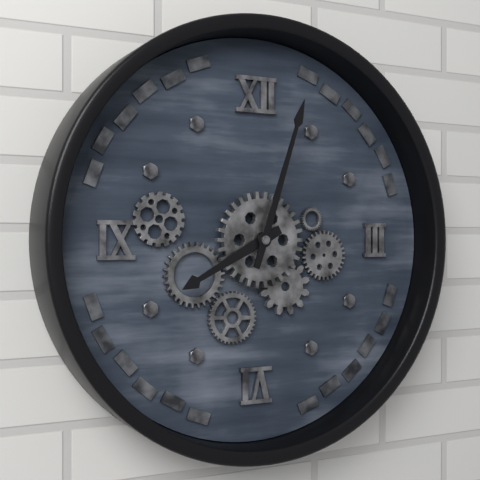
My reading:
8h03
